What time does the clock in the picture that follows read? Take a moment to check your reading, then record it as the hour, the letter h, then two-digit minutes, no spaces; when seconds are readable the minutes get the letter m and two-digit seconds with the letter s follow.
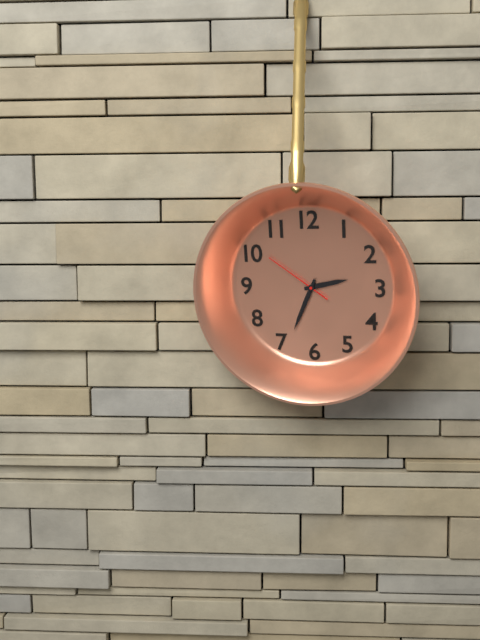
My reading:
2h34m51s
